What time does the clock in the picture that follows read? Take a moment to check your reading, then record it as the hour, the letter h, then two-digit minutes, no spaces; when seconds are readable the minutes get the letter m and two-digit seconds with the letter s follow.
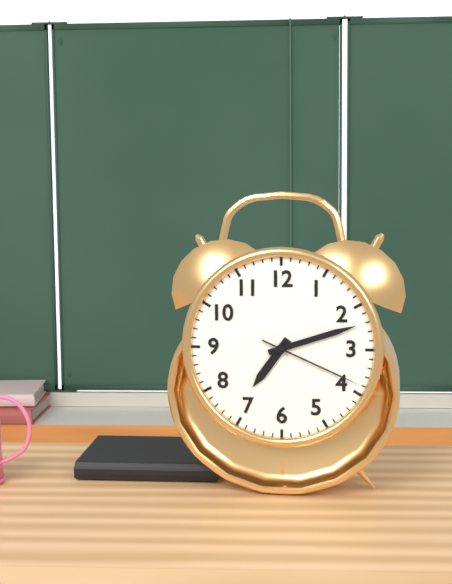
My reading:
7h12m19s
